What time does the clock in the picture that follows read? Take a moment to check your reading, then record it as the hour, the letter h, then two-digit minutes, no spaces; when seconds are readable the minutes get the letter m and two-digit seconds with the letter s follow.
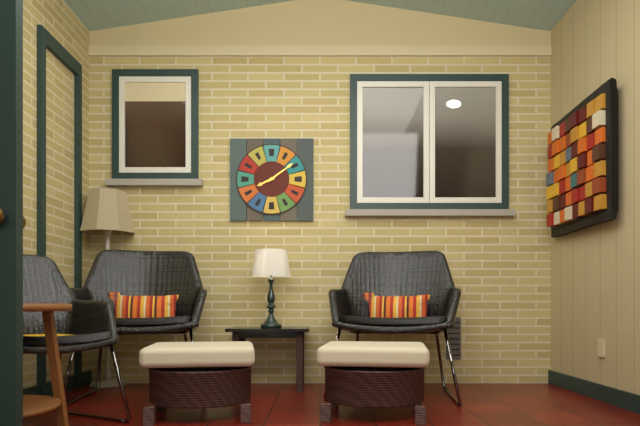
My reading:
8h09
